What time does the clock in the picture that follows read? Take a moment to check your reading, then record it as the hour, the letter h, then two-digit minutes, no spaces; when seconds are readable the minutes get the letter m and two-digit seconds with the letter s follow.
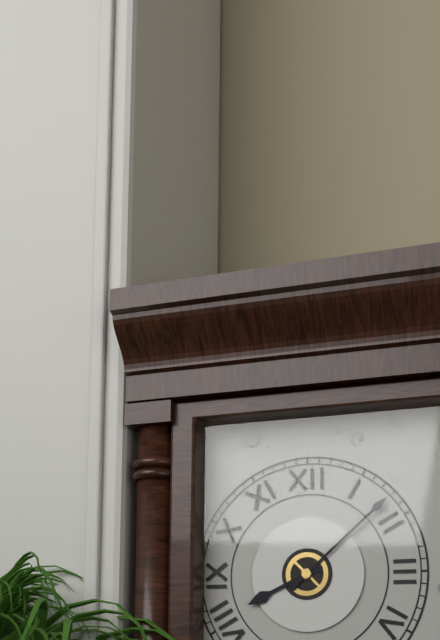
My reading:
8h08
